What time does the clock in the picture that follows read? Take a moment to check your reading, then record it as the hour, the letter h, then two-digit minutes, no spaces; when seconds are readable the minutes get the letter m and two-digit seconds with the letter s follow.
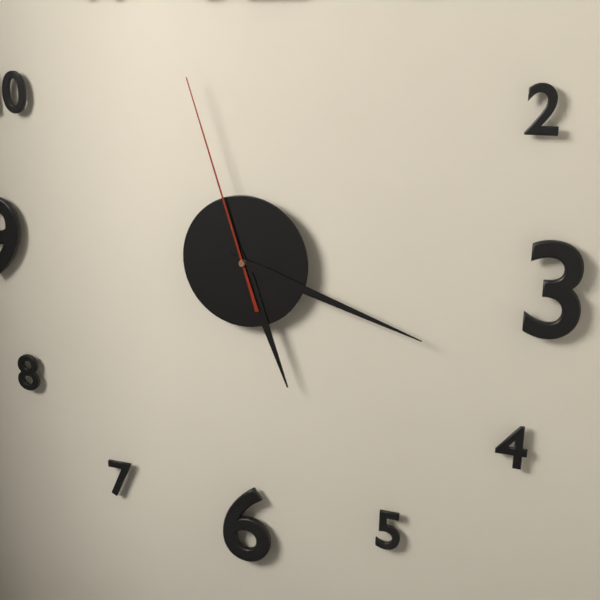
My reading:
5h18m57s
